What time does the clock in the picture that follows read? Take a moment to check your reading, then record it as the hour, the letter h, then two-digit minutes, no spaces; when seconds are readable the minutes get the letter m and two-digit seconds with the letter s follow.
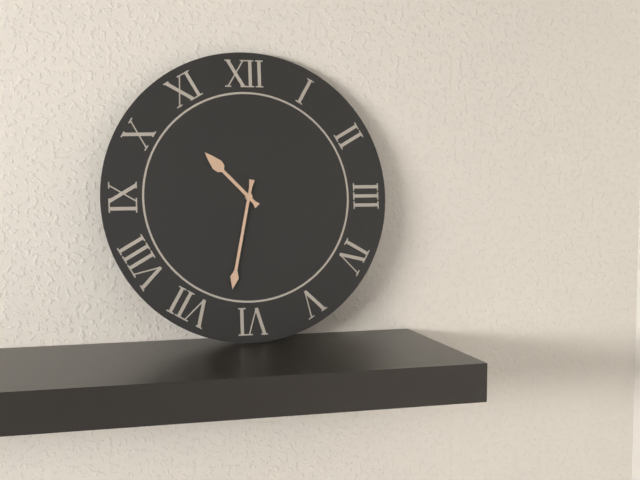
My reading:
10h32
